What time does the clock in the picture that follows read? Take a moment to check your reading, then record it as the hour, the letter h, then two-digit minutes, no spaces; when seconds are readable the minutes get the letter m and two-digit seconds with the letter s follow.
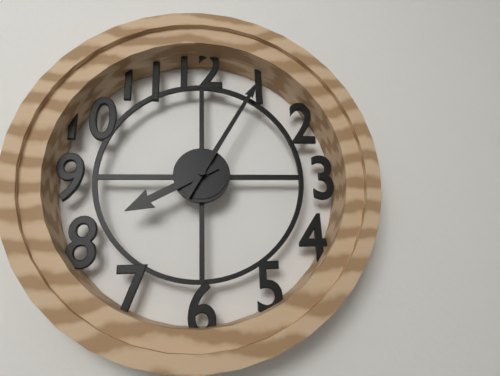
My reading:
8h05
